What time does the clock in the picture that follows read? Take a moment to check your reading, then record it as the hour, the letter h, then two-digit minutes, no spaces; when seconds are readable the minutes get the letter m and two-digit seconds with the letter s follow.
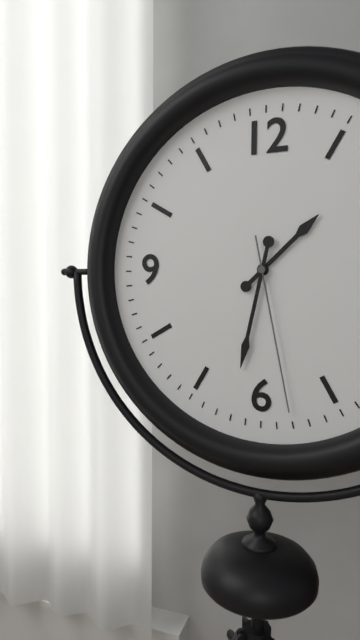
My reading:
1h32m28s
